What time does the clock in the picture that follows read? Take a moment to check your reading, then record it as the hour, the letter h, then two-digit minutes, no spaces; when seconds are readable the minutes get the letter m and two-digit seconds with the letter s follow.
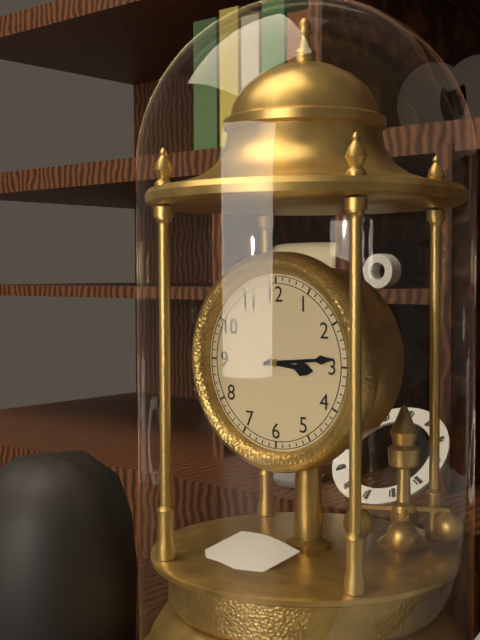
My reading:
3h14
